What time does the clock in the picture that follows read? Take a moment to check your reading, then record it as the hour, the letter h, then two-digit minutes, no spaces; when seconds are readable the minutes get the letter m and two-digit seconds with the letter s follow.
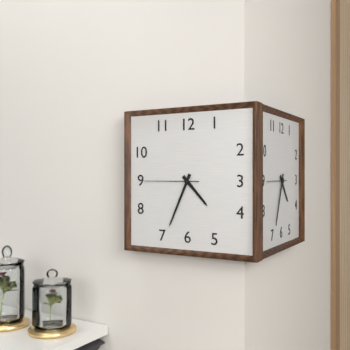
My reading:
4h34m45s
